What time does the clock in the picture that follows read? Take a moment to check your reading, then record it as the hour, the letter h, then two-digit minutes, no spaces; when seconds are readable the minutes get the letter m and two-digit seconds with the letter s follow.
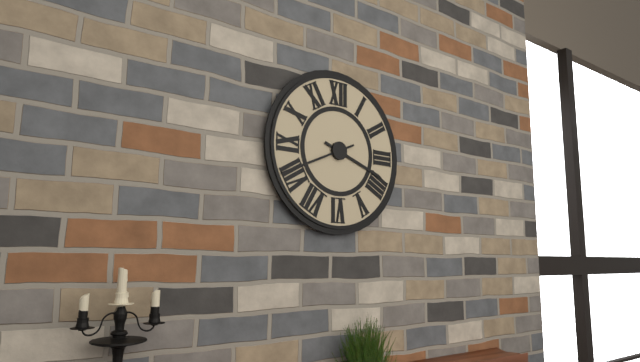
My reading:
3h41
